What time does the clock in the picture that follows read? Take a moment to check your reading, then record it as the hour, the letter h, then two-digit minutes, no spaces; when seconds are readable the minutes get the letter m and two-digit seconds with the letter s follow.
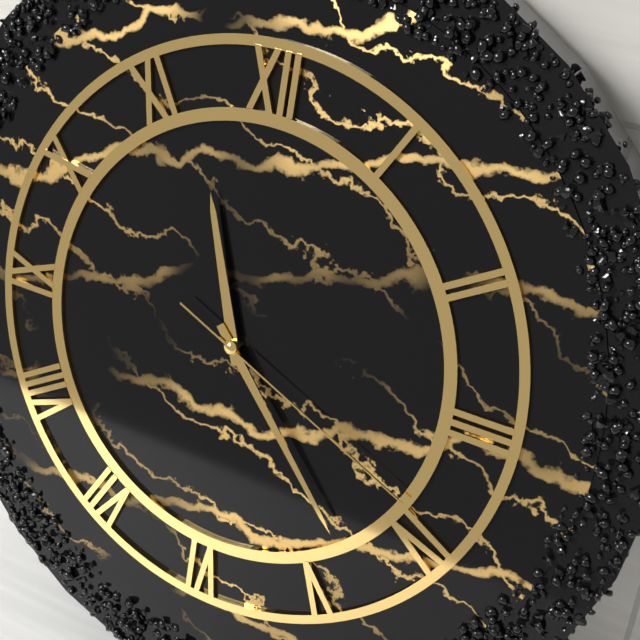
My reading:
11h23m19s
